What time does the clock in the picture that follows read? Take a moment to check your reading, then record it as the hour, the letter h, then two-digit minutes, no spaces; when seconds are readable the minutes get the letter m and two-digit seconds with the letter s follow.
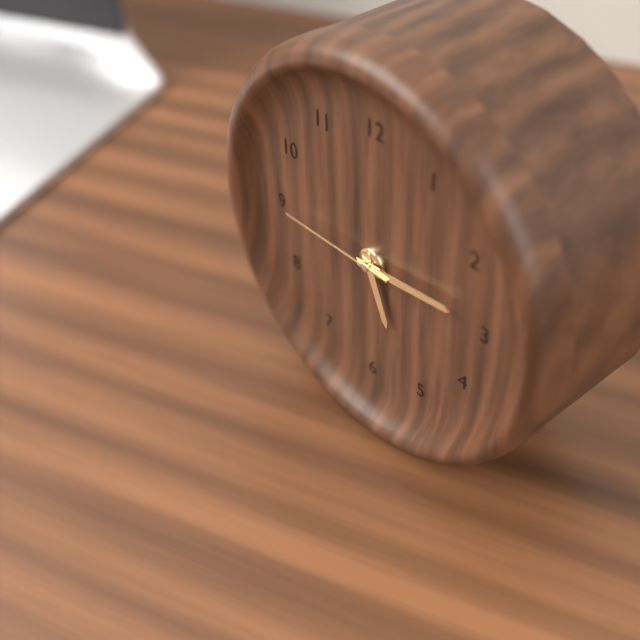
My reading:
5h14m45s
